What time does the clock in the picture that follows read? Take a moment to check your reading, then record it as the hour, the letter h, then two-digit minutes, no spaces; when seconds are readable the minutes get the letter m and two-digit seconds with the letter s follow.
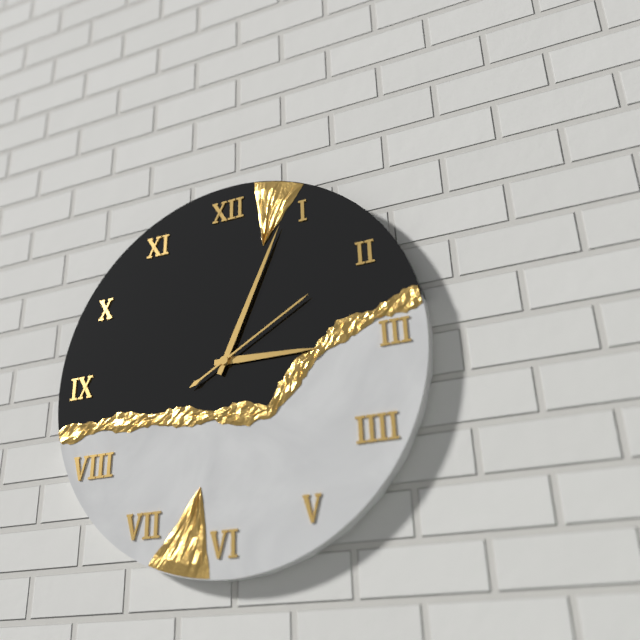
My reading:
3h04m10s
